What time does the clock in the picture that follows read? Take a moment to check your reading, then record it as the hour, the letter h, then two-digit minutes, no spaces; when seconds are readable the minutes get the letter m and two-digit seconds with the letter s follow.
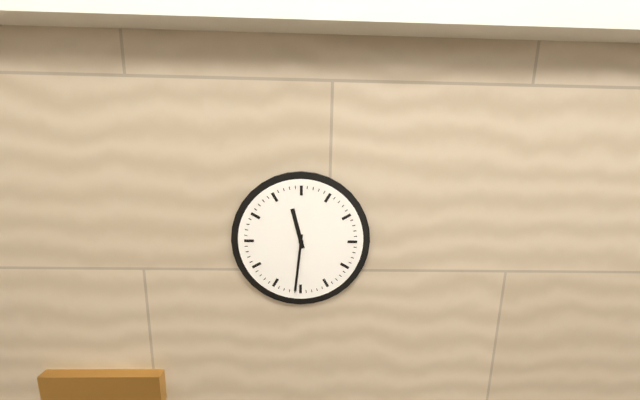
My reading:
11h31
